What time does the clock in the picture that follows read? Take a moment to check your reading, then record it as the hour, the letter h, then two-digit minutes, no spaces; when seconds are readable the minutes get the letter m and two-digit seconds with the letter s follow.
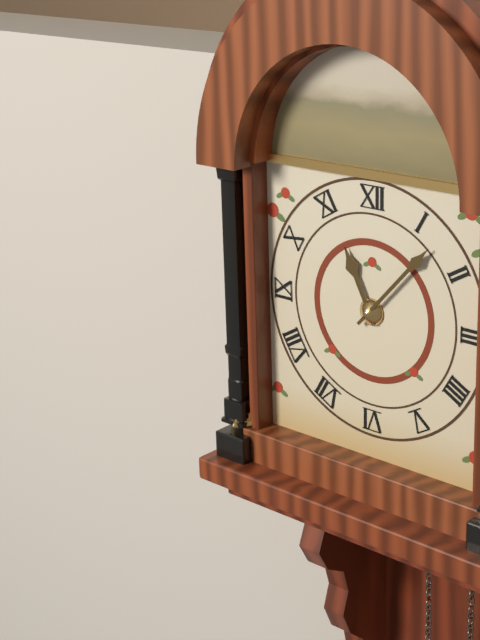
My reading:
11h07
